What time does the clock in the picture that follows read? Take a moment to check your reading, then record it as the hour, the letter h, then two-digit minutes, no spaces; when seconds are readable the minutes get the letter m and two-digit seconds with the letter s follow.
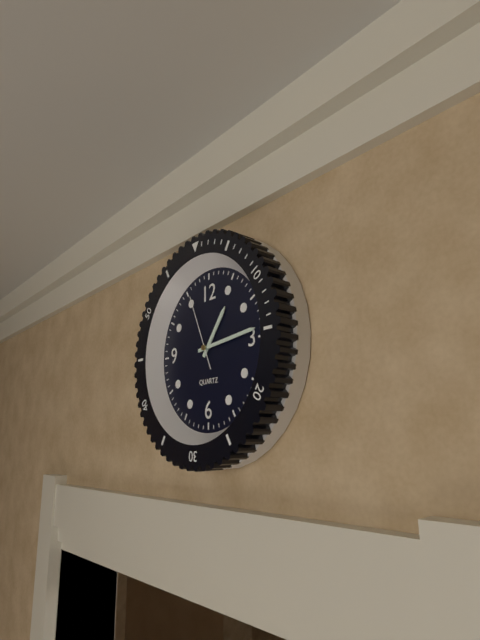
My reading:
1h14m56s
